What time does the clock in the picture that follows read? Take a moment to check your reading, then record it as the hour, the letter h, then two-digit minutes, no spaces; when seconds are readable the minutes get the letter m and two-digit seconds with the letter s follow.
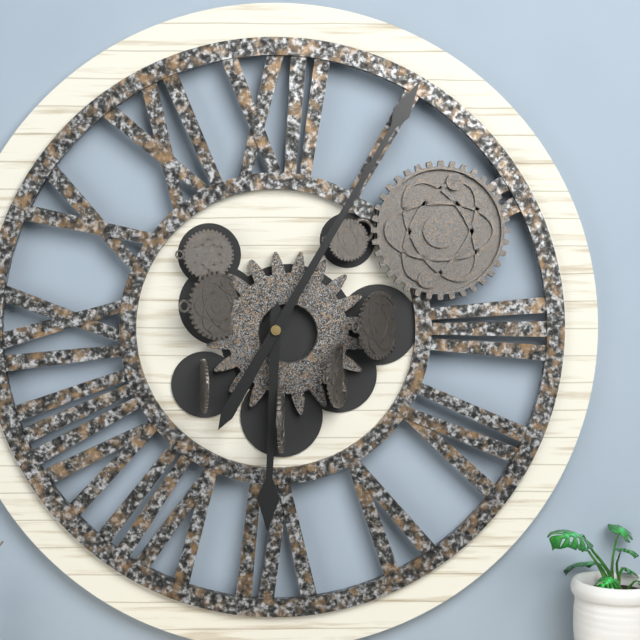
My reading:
6h05
